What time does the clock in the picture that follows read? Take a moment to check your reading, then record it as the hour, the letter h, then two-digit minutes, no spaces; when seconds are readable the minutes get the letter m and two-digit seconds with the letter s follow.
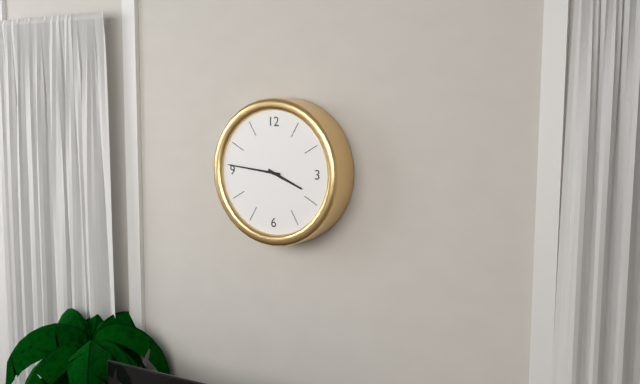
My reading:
3h46
